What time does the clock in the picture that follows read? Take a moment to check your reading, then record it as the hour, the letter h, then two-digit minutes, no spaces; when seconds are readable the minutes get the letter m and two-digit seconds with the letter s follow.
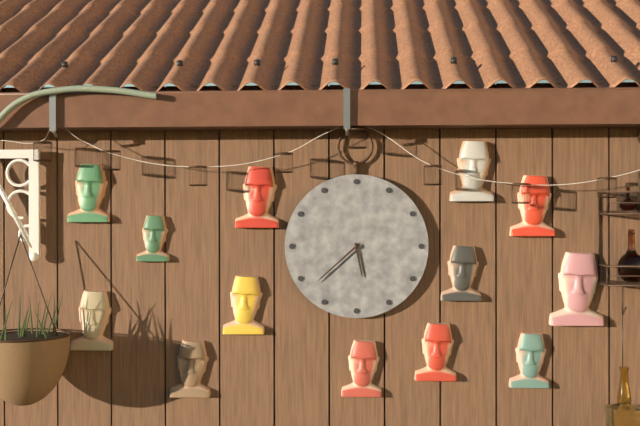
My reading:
5h38
